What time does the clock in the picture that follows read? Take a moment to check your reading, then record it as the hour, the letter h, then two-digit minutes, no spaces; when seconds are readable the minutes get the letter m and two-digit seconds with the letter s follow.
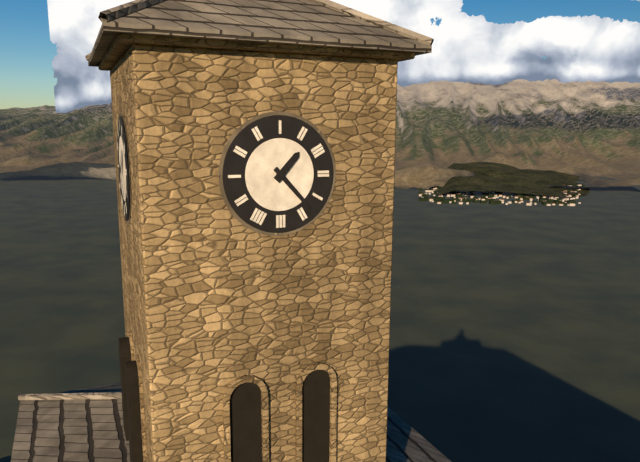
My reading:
1h23
